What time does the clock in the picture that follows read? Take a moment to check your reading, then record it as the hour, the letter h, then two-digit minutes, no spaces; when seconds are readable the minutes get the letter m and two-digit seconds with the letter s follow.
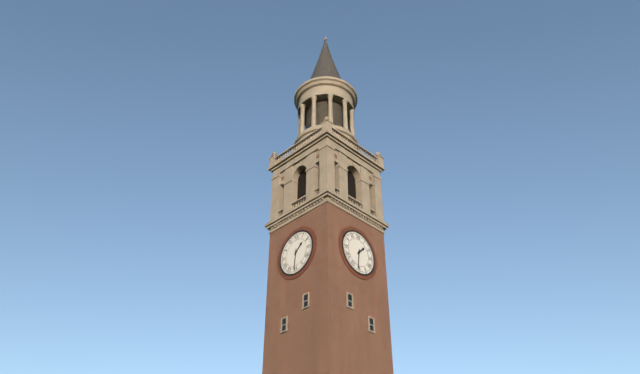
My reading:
1h31
